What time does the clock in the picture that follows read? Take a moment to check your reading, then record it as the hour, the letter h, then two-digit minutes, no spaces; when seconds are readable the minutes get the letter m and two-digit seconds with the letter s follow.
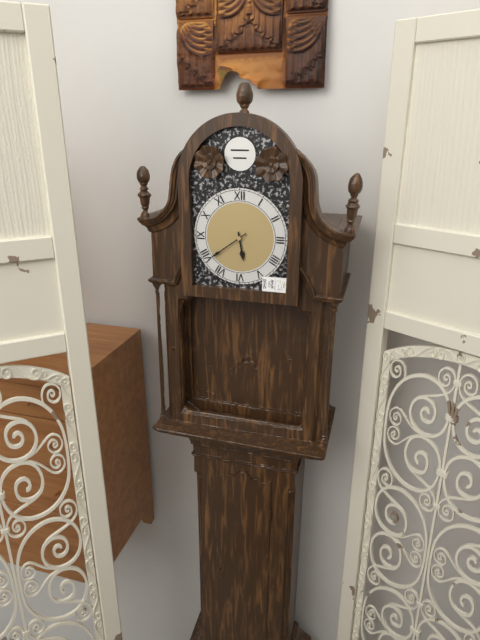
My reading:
5h39
